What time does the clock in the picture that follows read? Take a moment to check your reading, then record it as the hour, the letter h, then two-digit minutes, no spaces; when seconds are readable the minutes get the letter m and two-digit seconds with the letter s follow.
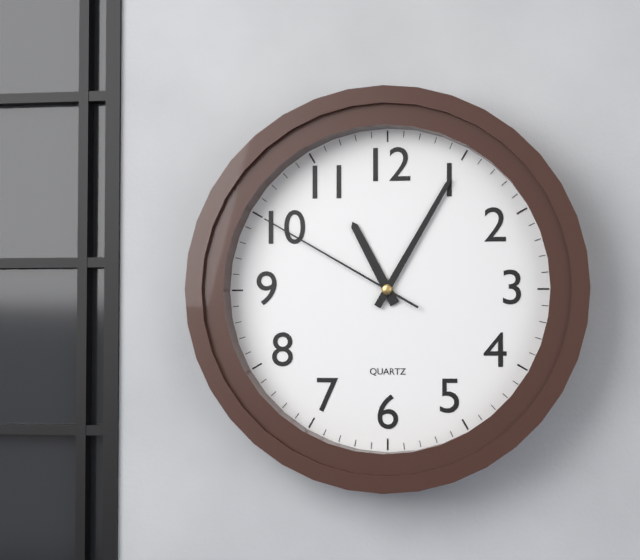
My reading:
11h05m50s
